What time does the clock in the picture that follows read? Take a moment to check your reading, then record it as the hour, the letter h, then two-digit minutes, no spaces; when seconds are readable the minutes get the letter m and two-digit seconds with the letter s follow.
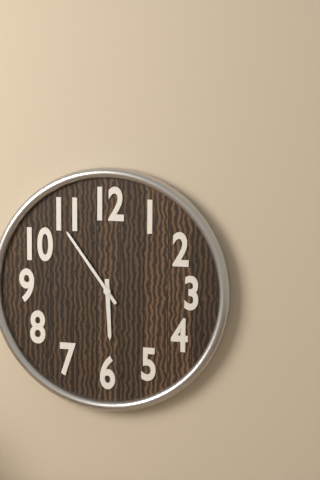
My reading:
5h54
